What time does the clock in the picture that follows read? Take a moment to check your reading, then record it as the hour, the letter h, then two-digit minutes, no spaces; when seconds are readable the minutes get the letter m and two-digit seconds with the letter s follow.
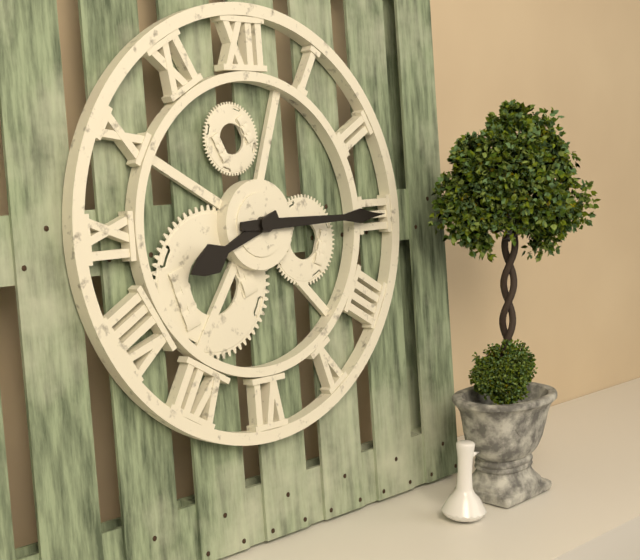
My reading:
8h15
